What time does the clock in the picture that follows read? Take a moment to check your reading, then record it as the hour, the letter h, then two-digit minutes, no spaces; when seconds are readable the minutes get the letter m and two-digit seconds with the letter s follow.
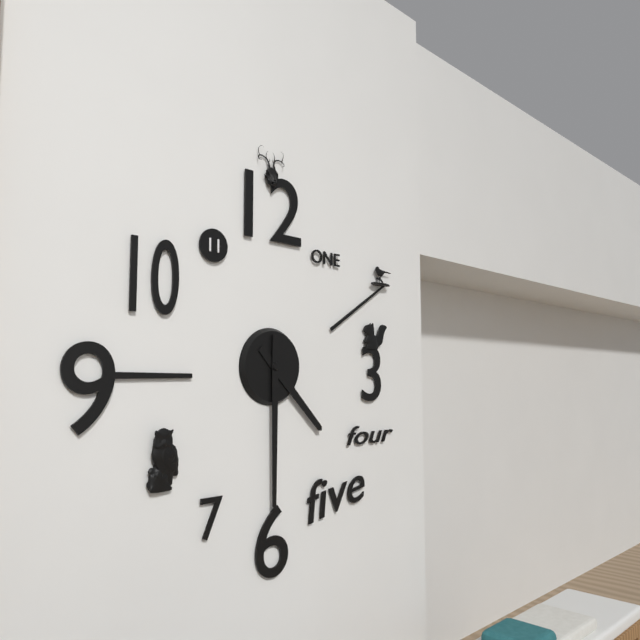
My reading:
4h30
